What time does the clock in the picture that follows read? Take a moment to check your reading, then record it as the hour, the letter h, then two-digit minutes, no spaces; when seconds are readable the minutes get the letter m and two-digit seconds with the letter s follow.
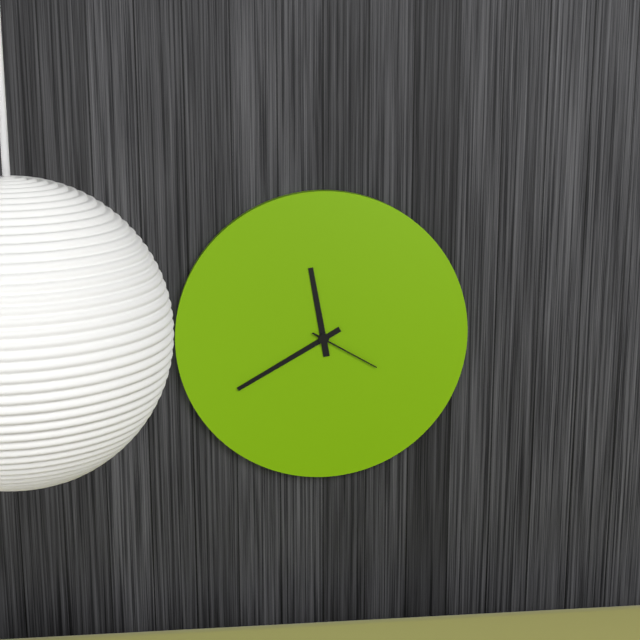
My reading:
11h40m20s
